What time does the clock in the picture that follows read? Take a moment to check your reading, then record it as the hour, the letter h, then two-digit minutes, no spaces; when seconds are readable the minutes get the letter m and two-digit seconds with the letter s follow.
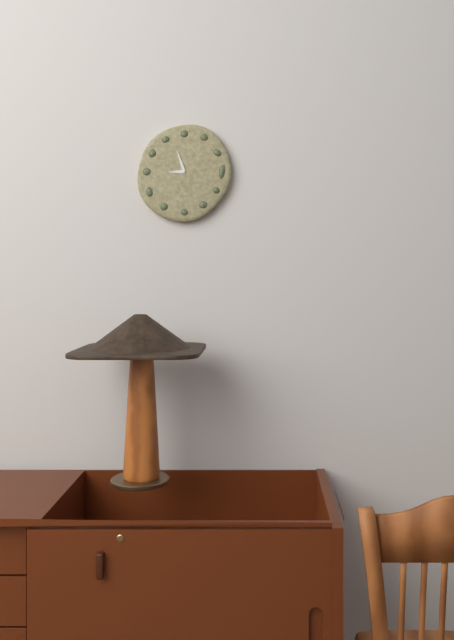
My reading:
8h57
